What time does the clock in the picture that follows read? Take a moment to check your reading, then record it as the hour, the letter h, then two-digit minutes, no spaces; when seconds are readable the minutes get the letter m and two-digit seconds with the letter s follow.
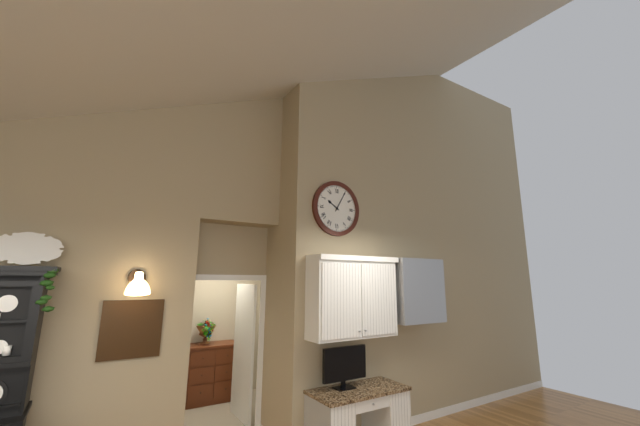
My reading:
10h05
